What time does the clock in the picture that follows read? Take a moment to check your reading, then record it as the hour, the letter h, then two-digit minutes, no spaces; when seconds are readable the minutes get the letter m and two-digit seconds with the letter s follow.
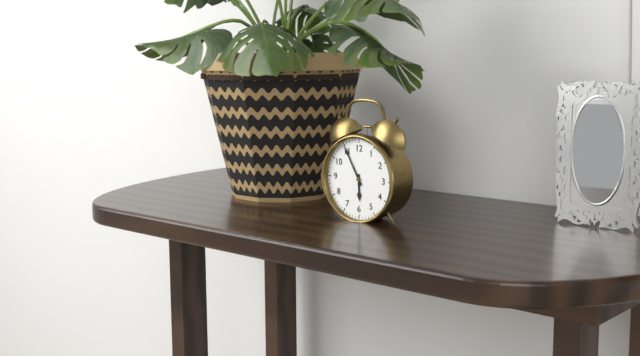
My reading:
5h55
